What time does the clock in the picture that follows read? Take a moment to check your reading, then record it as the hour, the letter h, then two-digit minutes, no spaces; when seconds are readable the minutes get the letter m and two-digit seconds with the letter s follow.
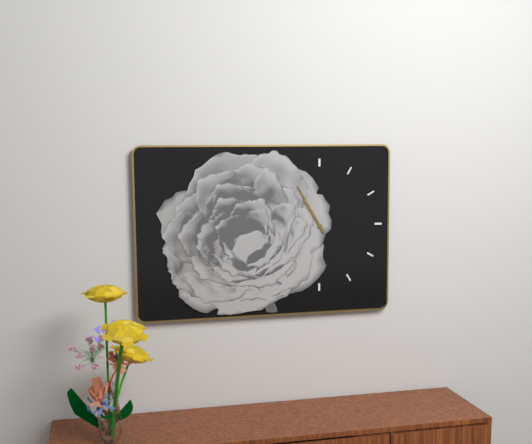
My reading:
10h55
